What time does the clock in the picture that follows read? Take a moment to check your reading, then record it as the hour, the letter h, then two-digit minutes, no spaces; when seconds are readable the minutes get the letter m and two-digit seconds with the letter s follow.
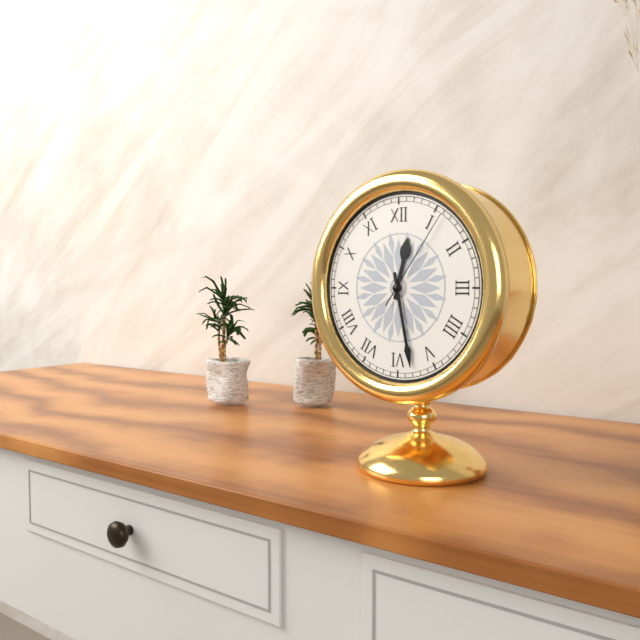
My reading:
12h28m06s
